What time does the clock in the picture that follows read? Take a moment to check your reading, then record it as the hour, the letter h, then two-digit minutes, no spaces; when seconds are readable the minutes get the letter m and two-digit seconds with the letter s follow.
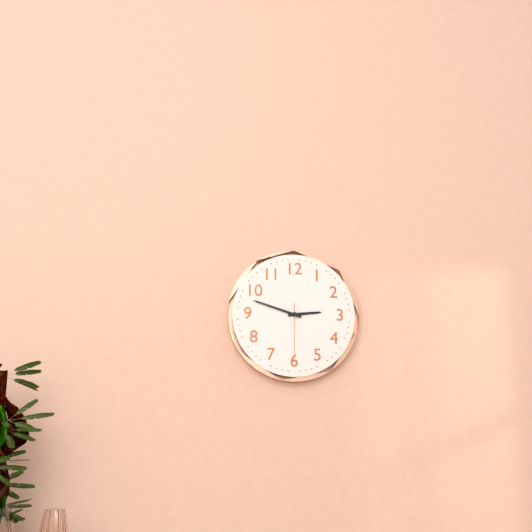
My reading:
2h48m30s
